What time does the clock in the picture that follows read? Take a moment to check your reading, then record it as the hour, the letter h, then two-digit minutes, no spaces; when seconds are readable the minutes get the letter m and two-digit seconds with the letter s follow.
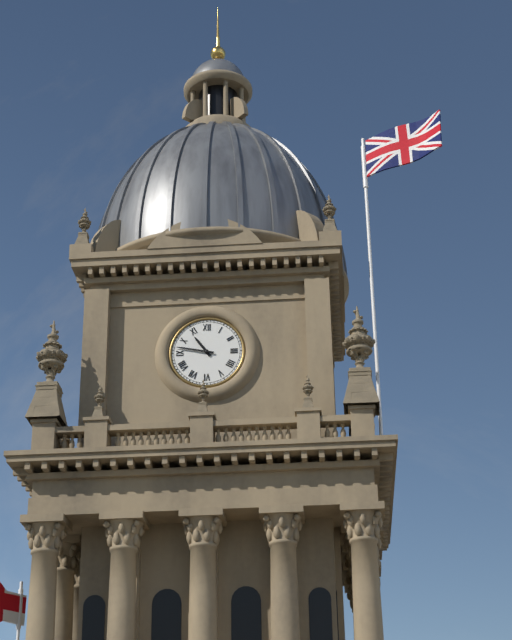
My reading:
10h47
